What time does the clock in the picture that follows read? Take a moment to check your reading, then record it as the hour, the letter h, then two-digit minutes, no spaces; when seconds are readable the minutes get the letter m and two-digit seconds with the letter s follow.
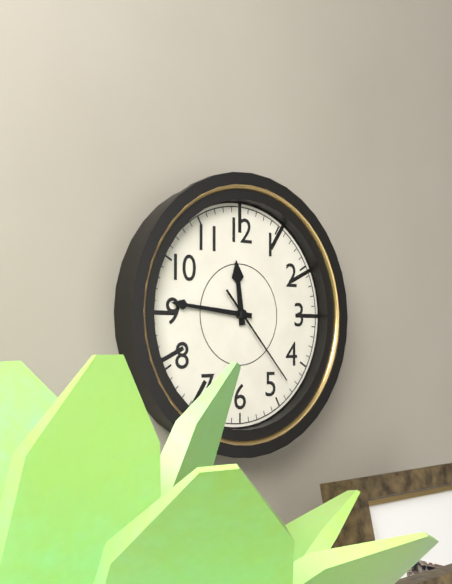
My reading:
11h46m23s
